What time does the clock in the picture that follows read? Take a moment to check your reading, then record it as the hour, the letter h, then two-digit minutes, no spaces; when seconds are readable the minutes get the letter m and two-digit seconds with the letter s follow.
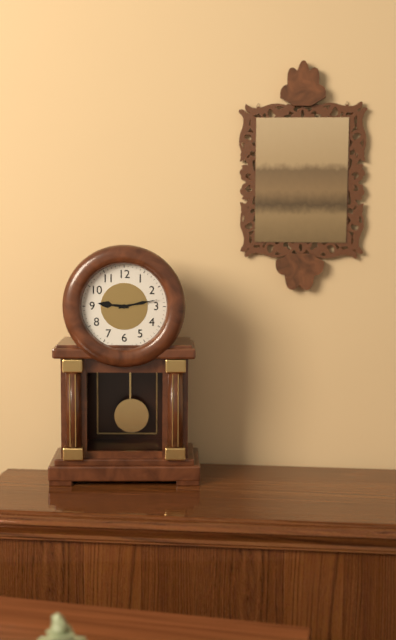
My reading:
9h13
